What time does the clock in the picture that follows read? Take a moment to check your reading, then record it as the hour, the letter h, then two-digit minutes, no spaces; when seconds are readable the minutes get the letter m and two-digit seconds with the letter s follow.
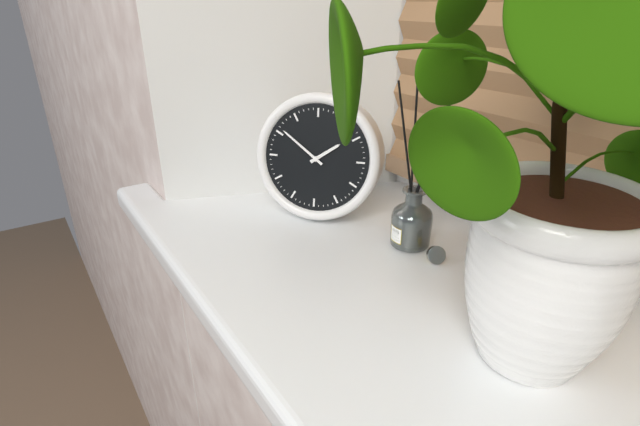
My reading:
1h51
